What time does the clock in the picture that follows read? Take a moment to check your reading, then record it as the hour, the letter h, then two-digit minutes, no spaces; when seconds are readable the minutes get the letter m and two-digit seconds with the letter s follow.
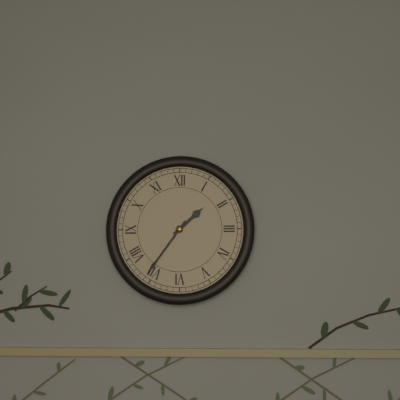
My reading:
1h36
